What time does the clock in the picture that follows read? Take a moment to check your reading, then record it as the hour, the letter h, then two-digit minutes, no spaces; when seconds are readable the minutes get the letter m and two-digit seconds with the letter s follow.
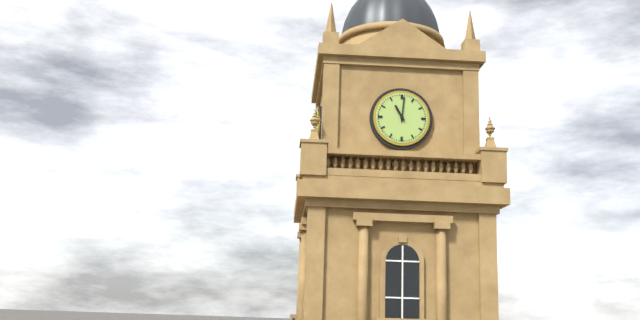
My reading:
11h01
